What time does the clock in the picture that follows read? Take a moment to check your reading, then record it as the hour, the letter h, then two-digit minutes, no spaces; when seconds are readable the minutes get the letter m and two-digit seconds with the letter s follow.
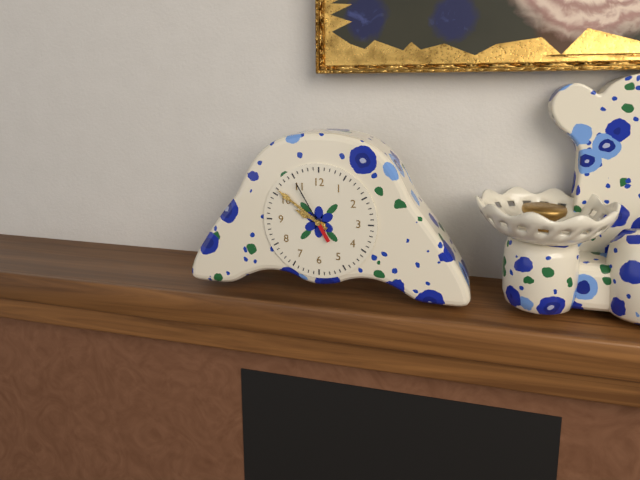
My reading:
9h51m55s
